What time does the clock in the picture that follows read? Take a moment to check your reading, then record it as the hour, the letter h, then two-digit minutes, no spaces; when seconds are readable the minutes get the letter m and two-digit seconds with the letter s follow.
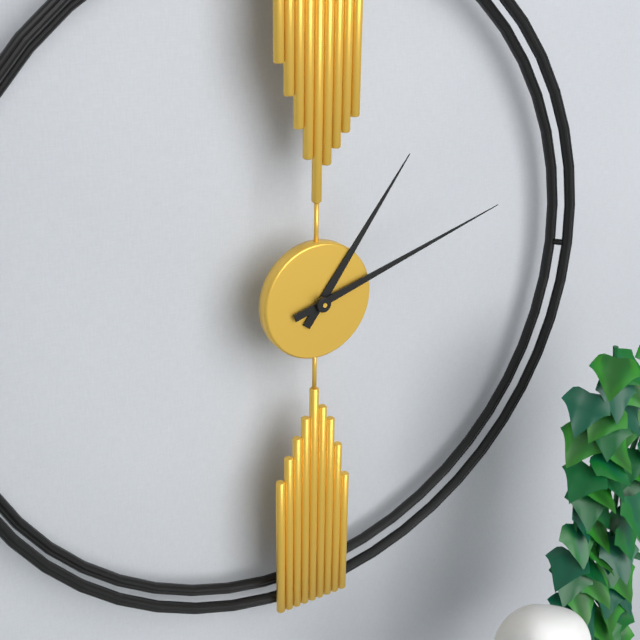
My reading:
1h12
